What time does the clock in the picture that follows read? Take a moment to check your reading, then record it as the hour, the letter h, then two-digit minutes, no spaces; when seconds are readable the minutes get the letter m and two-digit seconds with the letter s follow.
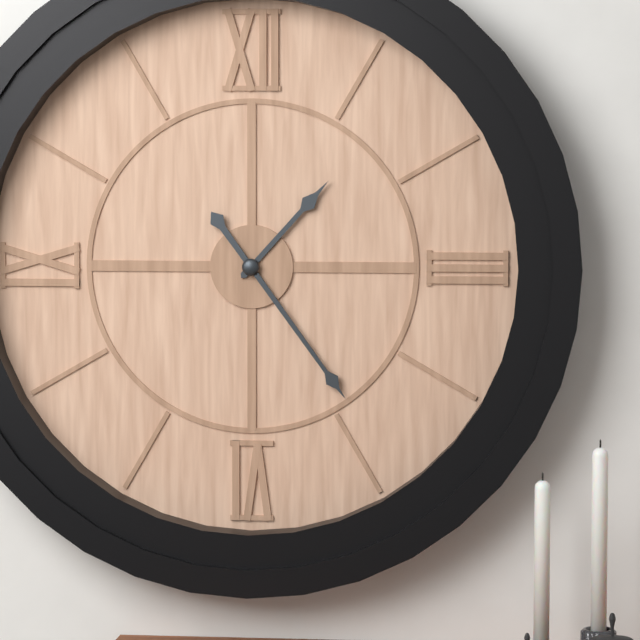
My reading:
1h24
